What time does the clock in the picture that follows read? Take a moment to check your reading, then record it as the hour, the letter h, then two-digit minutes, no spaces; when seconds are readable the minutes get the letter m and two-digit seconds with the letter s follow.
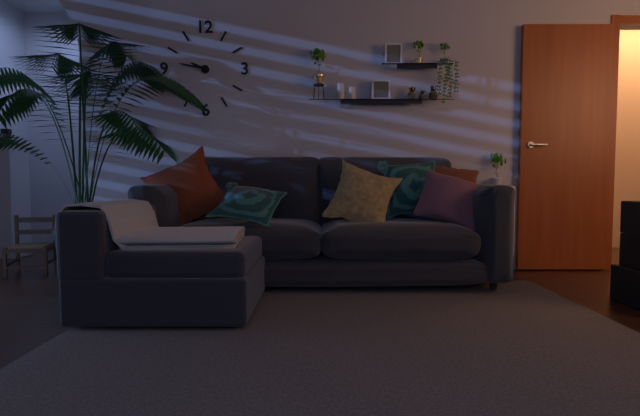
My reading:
9h47
